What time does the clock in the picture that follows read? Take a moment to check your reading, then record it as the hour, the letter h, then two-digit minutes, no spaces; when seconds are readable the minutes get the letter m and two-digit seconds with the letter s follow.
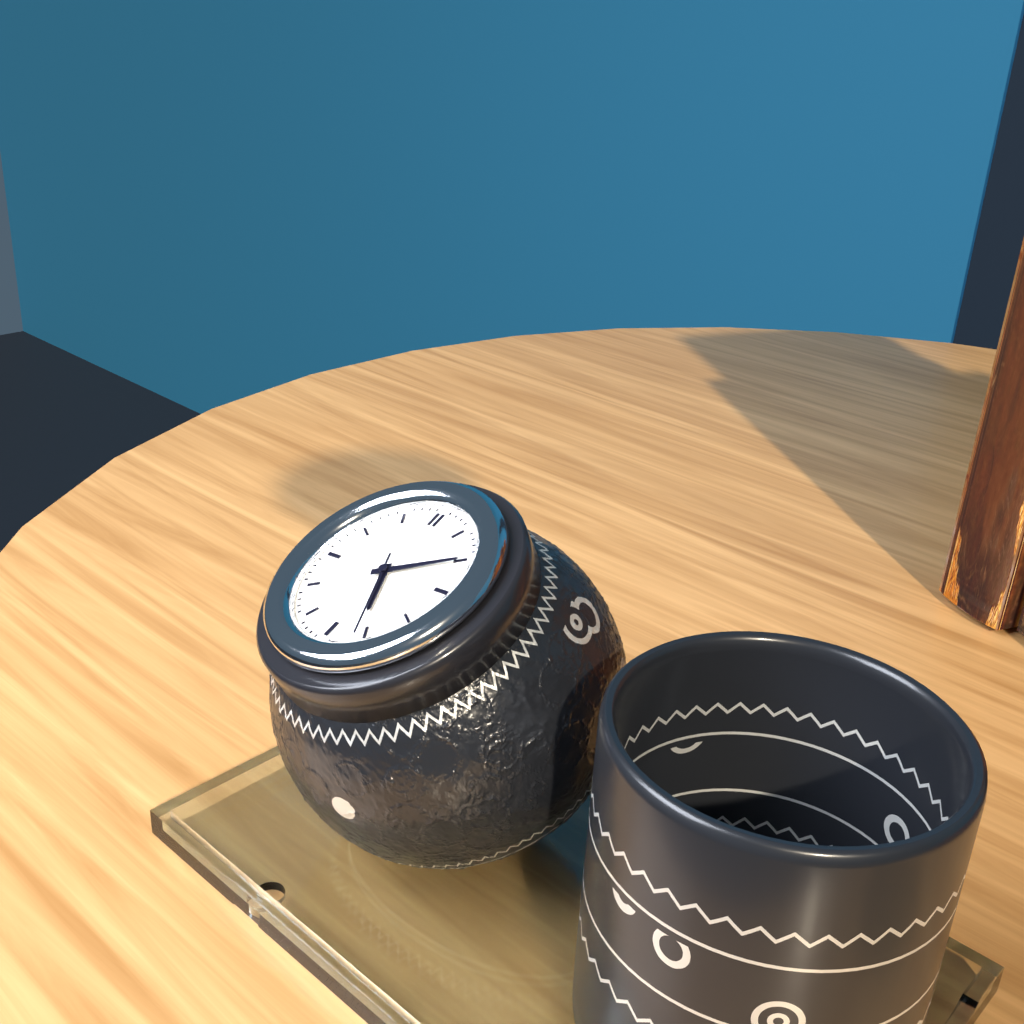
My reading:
5h10m26s
